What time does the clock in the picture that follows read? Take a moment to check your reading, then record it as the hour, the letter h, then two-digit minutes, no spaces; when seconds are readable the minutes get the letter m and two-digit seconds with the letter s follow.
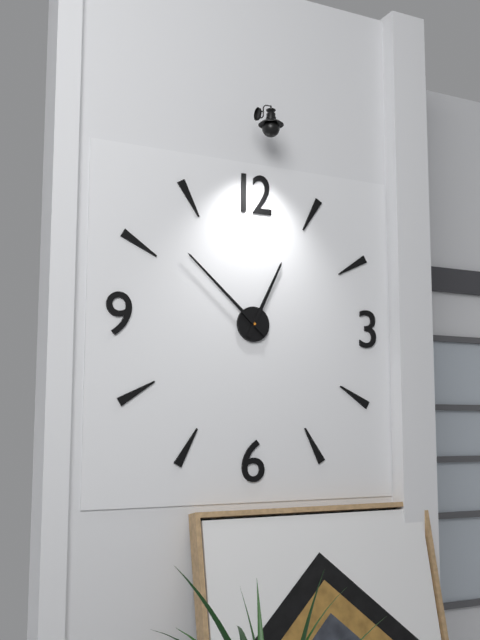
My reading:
12h52
